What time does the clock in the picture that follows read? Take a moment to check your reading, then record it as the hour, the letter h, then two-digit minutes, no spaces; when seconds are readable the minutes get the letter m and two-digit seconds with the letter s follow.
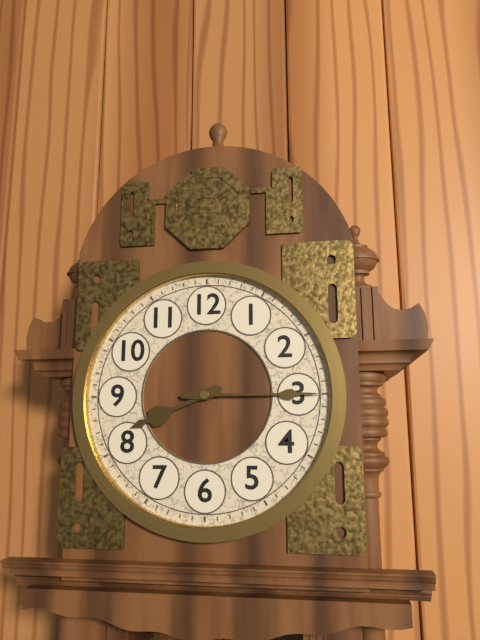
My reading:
8h15
